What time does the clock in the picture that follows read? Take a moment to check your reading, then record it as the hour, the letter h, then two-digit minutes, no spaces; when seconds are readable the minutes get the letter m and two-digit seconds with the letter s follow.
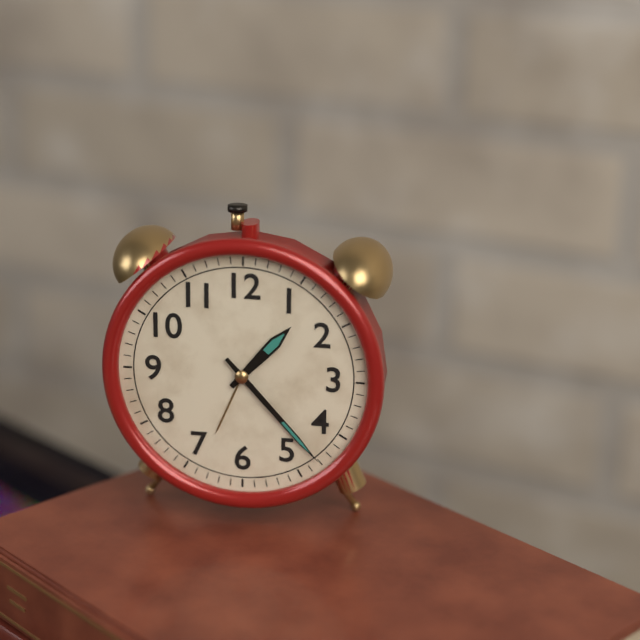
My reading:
1h23
